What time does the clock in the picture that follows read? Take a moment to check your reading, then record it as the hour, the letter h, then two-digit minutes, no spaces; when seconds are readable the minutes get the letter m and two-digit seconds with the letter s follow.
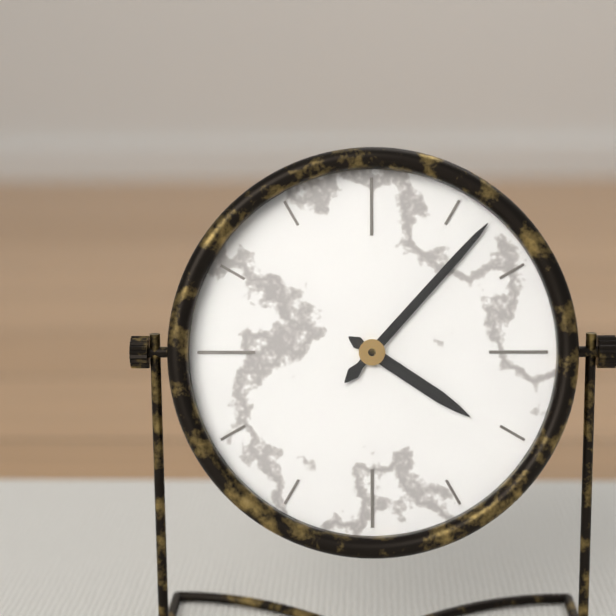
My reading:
4h07
